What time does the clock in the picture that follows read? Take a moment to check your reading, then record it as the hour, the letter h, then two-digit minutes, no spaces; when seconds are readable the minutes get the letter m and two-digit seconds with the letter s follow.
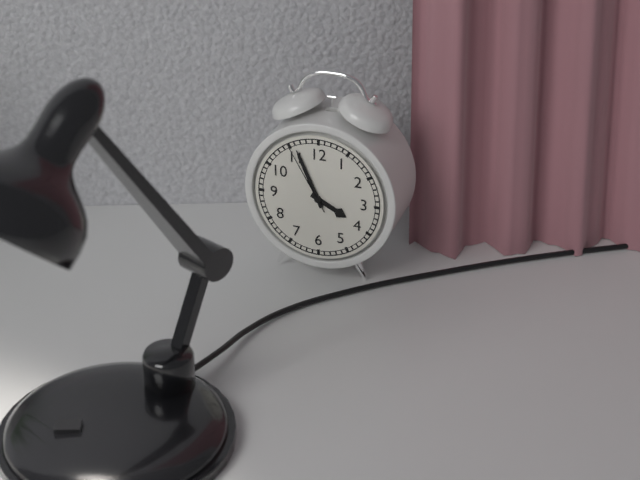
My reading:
3h56m55s
